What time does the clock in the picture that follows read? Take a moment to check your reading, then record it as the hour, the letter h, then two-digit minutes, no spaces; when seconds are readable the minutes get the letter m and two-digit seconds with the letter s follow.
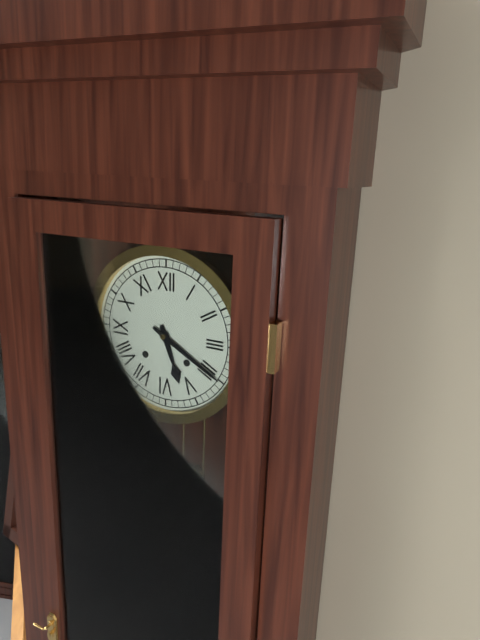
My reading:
5h20
